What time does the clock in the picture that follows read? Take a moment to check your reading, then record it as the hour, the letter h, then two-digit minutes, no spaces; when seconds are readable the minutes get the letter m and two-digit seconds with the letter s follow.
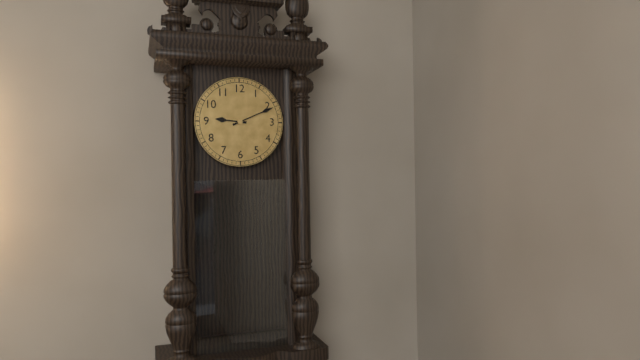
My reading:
9h11
